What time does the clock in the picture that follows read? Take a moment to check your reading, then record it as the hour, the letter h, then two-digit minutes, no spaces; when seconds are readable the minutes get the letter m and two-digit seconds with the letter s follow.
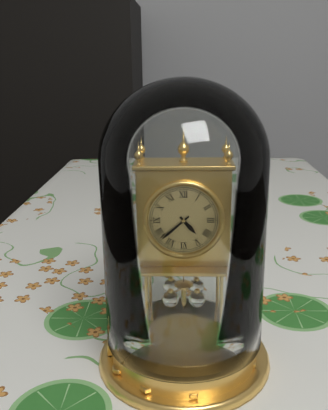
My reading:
4h38
